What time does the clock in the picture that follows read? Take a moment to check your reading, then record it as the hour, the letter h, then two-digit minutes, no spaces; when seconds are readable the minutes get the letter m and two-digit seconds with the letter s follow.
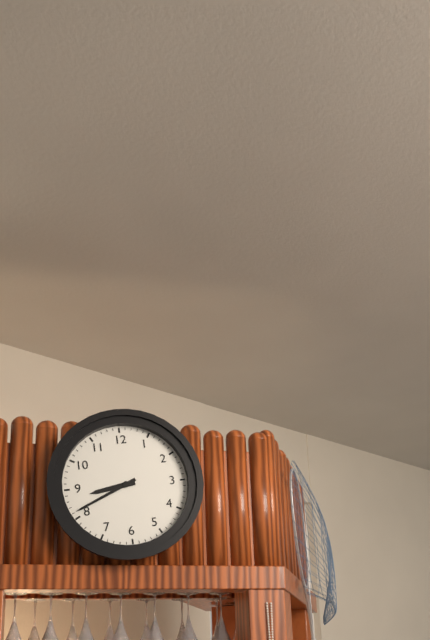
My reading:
8h41
